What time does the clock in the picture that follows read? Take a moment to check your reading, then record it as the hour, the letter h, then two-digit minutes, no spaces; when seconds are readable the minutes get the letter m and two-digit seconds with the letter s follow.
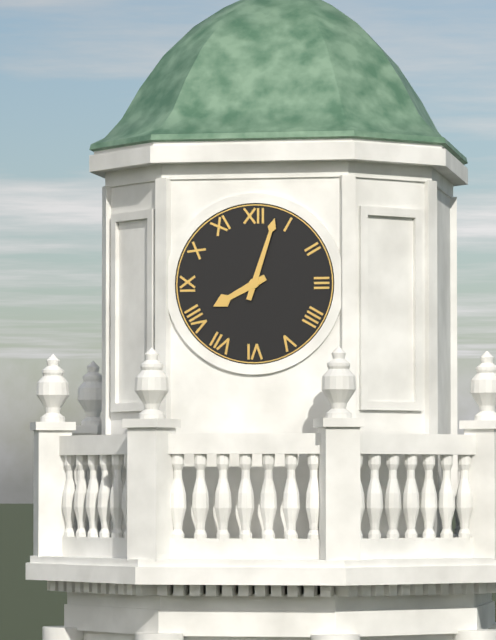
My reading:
8h03
